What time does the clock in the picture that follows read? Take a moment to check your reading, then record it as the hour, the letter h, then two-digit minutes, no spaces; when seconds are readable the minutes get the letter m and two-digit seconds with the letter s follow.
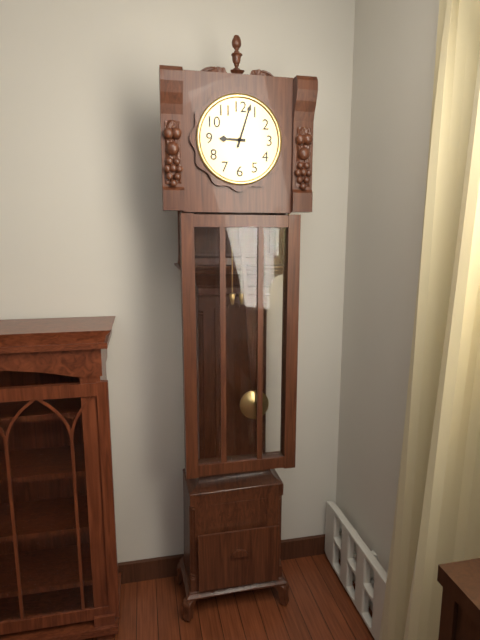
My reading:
9h03
